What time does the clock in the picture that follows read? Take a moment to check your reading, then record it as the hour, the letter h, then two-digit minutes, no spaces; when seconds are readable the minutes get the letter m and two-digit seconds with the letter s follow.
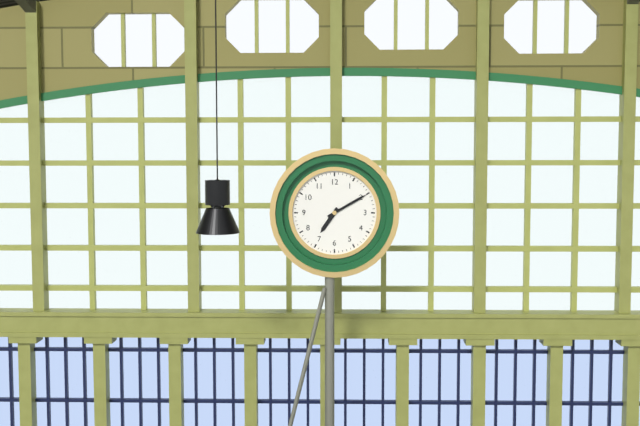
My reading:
7h10
